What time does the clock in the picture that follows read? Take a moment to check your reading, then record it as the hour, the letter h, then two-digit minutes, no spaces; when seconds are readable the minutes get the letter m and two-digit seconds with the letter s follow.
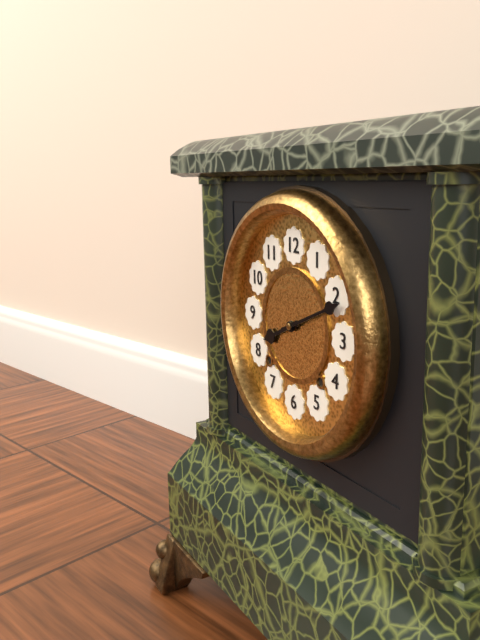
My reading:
8h11
